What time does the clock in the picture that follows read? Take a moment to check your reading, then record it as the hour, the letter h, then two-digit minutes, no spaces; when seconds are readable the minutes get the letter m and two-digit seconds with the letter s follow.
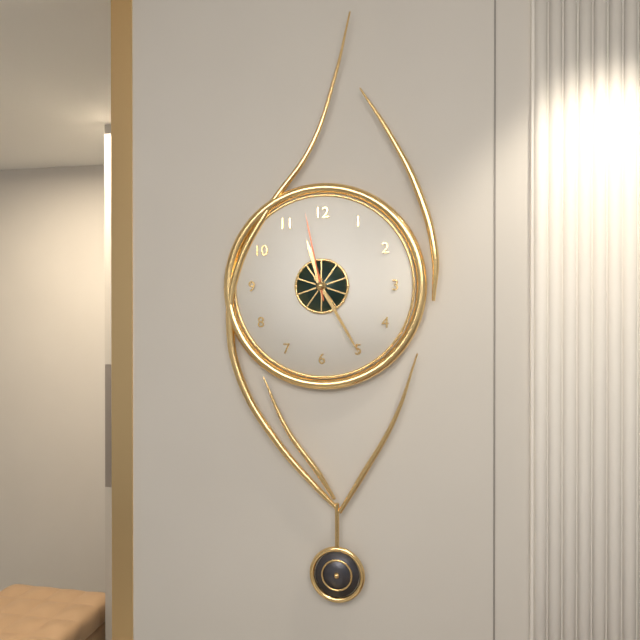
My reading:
11h25m58s
